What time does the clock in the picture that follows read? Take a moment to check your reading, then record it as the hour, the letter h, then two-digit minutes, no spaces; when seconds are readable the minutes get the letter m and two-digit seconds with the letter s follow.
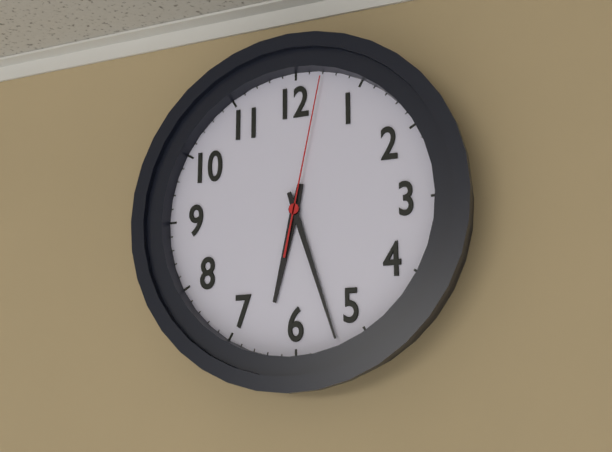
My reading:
6h27m02s
